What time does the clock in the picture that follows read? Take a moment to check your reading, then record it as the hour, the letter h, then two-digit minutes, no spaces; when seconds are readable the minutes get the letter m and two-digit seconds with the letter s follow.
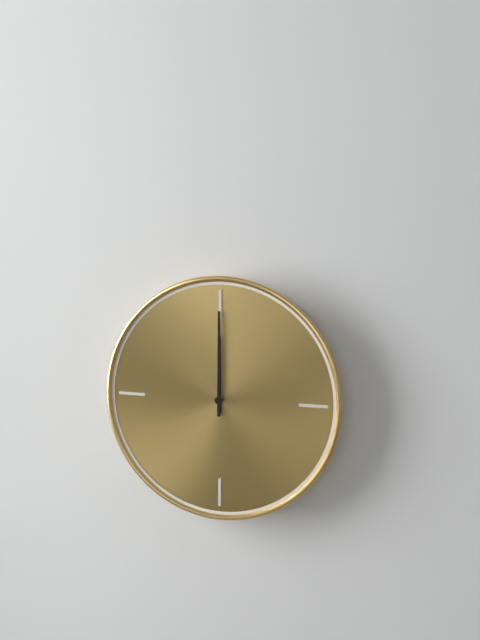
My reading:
12h00
